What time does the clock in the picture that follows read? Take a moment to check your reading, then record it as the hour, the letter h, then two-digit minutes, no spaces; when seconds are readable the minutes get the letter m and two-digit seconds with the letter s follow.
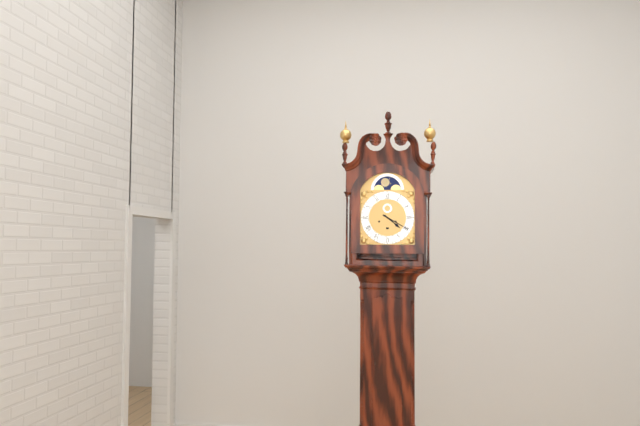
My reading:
4h20
